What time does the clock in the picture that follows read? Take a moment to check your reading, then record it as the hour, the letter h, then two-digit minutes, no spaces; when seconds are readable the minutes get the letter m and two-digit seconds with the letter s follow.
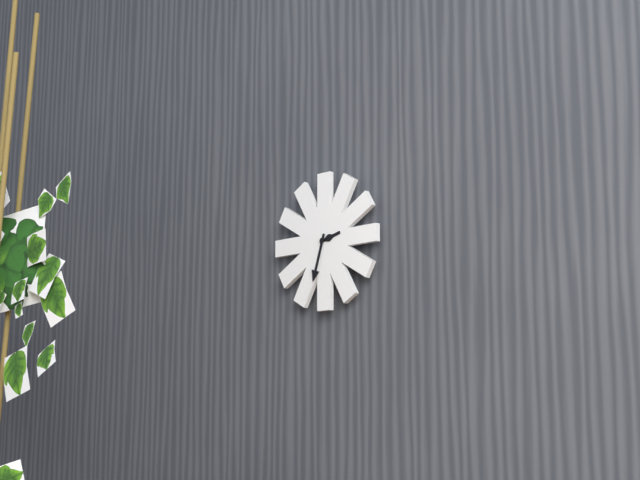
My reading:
2h33
